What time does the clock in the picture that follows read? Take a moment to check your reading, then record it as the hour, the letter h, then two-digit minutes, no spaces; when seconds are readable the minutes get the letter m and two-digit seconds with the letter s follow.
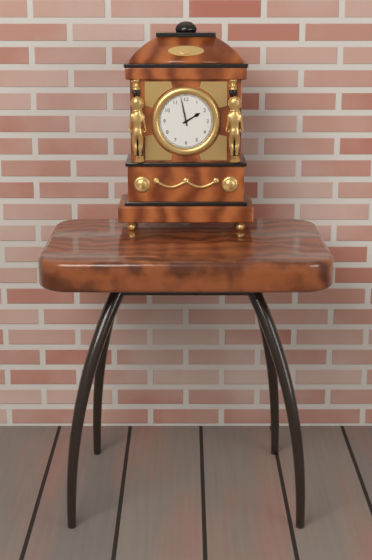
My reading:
1h58
